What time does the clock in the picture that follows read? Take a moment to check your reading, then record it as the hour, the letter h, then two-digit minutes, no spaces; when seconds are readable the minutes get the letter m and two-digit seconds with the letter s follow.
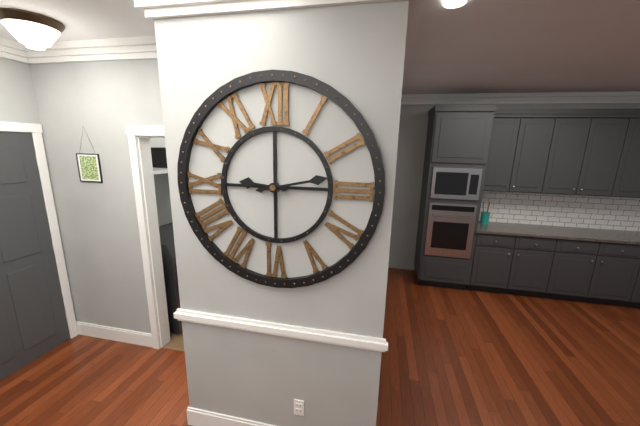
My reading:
9h13
